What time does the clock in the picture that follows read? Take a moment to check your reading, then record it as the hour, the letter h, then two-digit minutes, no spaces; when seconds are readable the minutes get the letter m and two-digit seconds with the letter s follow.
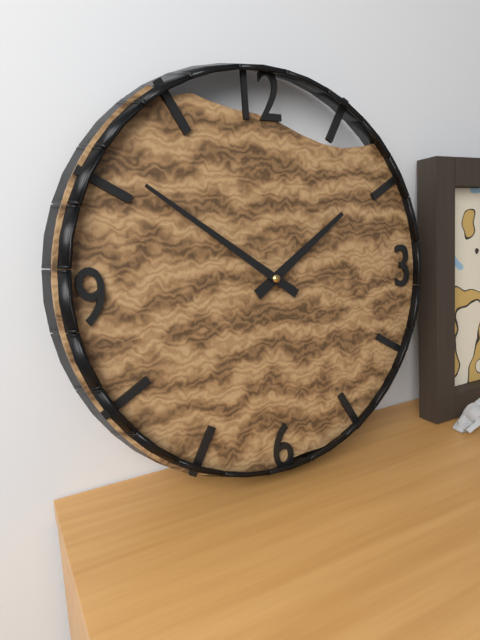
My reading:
1h51
